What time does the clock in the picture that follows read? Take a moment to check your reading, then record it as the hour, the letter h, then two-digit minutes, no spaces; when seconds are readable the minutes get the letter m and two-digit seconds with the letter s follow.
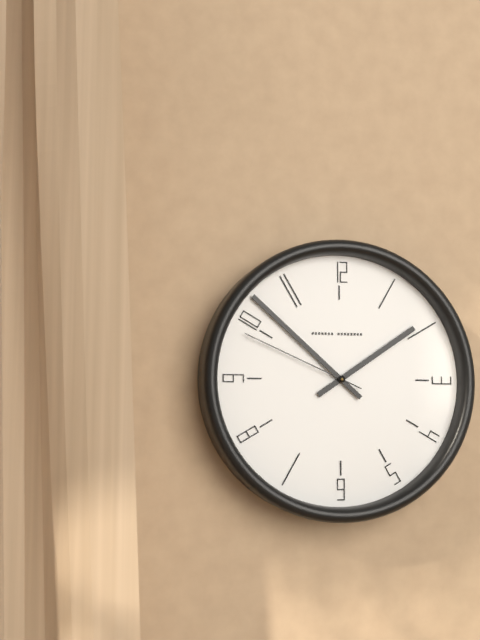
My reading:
1h52m49s
